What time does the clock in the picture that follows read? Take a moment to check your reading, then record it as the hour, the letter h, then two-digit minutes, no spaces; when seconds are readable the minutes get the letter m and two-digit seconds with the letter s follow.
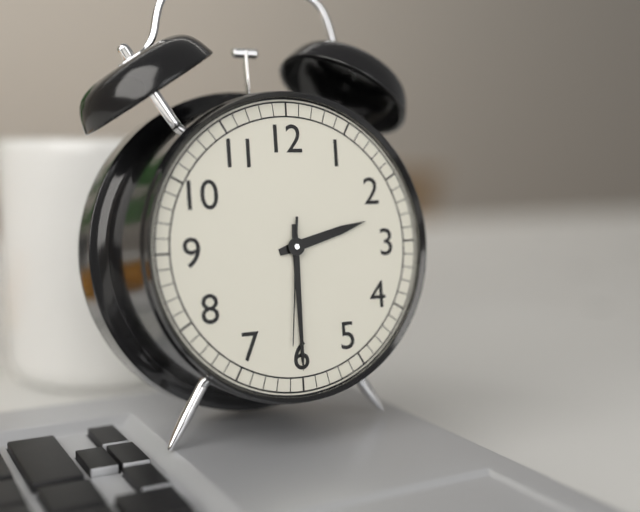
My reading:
2h30m31s
